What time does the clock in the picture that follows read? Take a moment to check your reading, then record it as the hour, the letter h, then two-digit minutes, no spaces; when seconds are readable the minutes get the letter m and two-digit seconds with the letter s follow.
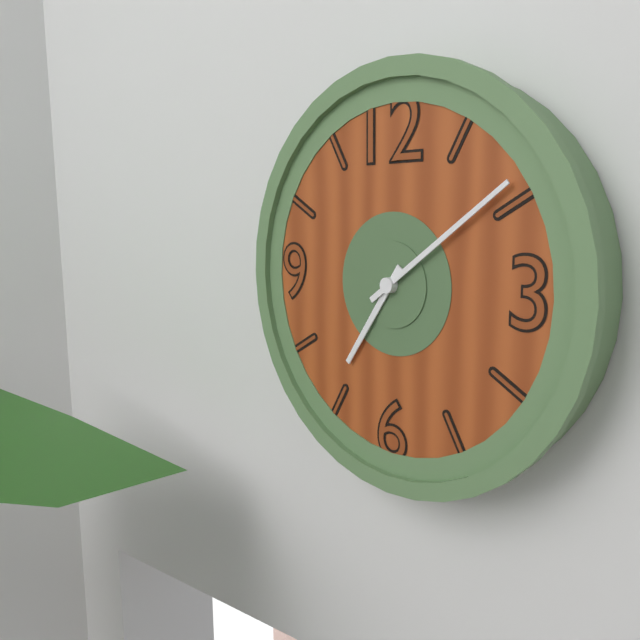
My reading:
7h09
